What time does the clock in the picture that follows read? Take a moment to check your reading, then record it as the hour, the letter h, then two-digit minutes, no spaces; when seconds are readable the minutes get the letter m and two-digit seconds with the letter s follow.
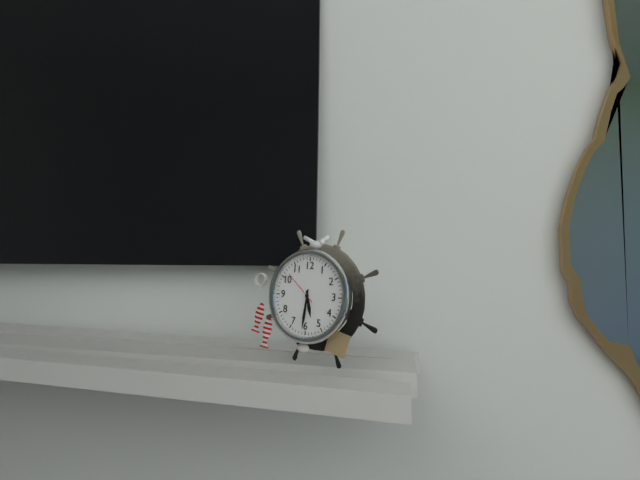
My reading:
5h31
